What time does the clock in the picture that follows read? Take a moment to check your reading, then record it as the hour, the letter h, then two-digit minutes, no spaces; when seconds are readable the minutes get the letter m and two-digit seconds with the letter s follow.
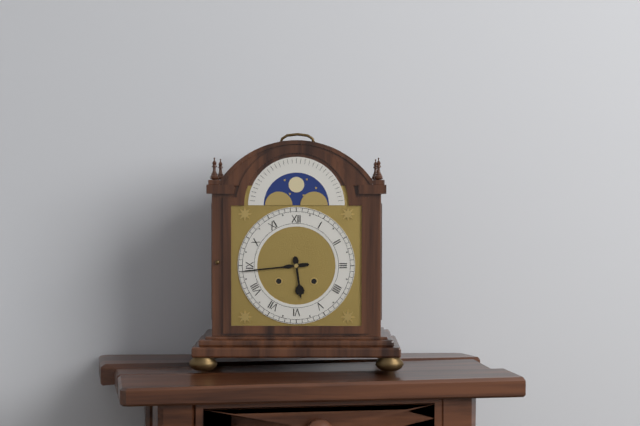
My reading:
5h44
